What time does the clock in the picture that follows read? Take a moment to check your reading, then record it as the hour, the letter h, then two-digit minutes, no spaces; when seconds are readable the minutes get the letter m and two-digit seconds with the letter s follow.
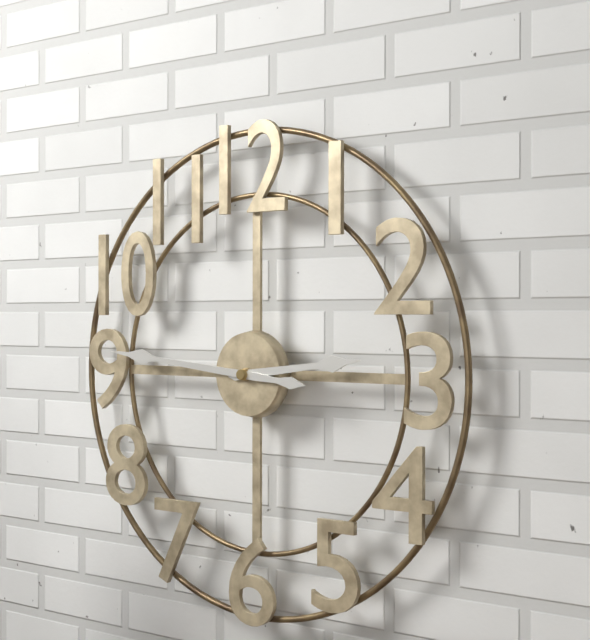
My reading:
2h46
